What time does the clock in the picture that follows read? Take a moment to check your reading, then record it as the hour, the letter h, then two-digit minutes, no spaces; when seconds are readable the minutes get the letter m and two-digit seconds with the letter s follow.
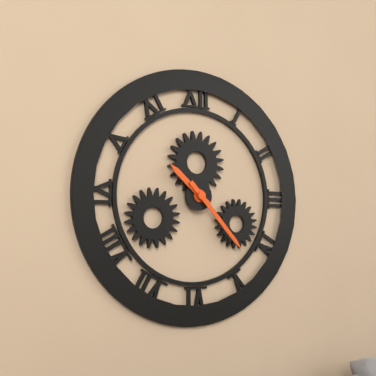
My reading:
10h23
